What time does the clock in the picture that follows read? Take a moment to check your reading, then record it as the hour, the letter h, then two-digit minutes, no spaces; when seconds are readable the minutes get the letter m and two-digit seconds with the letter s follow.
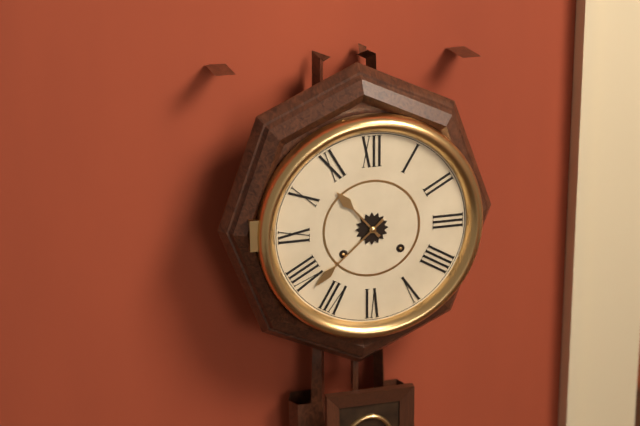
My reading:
10h38
